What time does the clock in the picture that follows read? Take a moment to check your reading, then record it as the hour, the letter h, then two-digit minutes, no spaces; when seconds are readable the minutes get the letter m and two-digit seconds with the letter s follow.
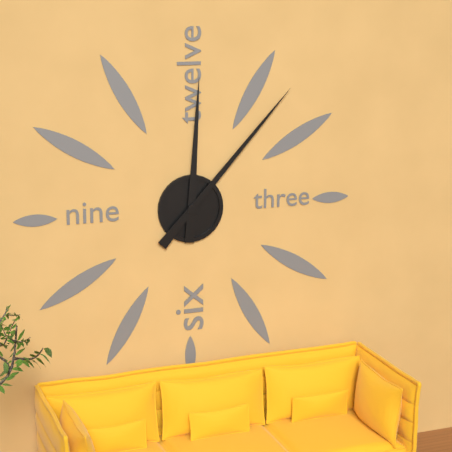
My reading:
12h07
